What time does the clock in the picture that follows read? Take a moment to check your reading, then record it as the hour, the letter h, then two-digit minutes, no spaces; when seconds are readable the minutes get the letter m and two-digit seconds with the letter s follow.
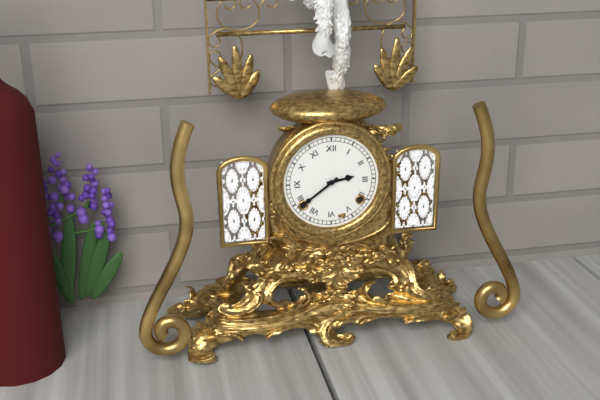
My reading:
2h39
